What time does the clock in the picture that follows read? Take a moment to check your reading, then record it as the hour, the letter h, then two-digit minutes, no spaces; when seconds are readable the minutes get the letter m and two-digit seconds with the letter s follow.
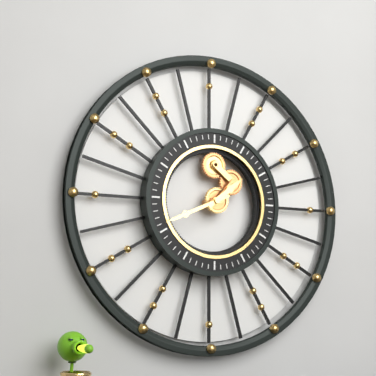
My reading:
1h41
